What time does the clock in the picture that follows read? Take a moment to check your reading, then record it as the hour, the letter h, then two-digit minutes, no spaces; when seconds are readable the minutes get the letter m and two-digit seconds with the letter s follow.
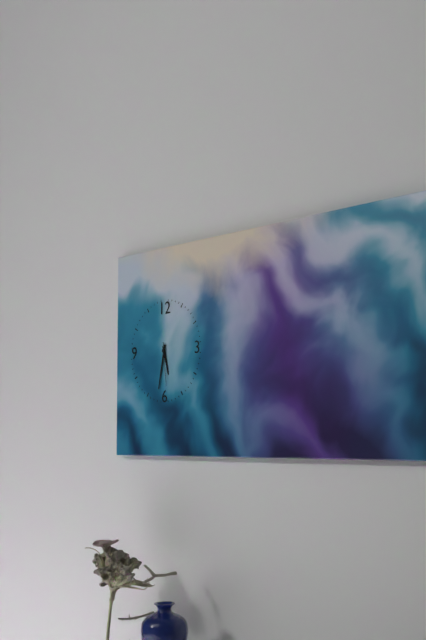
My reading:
5h32
